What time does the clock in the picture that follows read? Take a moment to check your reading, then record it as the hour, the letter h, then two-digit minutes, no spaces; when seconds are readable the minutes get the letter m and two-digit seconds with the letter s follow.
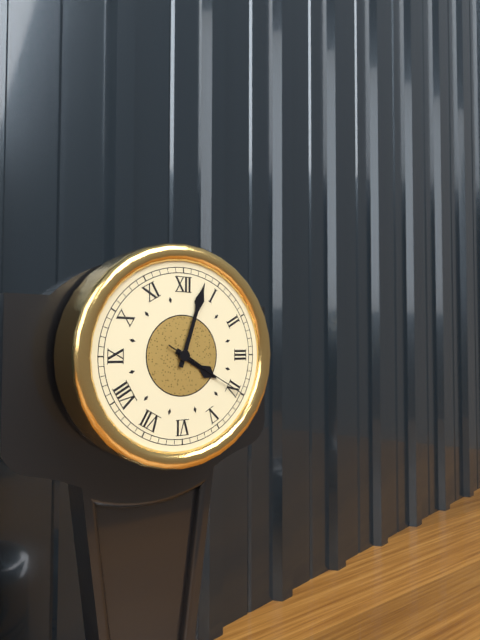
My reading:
4h03m20s
